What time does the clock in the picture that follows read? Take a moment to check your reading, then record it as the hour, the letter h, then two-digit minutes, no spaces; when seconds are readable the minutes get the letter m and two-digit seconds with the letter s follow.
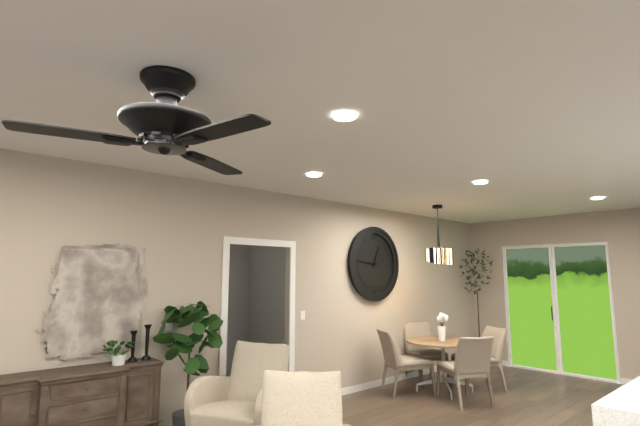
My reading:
12h46
